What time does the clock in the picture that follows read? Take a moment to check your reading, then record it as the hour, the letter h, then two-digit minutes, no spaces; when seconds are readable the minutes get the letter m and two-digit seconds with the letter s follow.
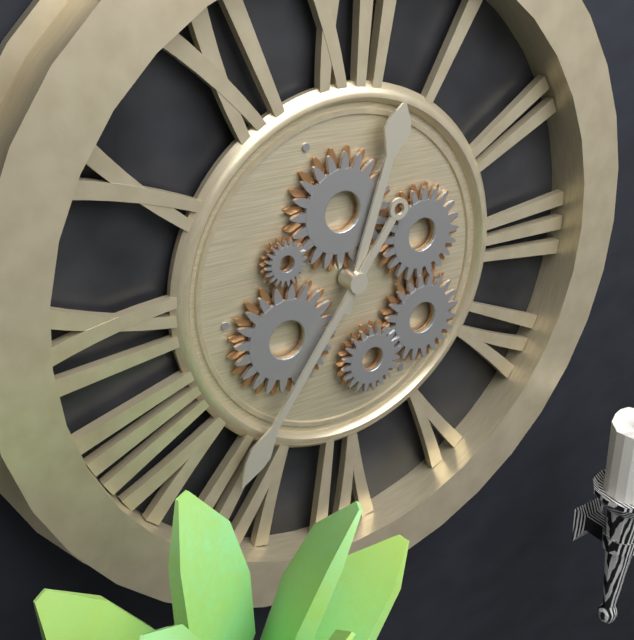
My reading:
12h36
